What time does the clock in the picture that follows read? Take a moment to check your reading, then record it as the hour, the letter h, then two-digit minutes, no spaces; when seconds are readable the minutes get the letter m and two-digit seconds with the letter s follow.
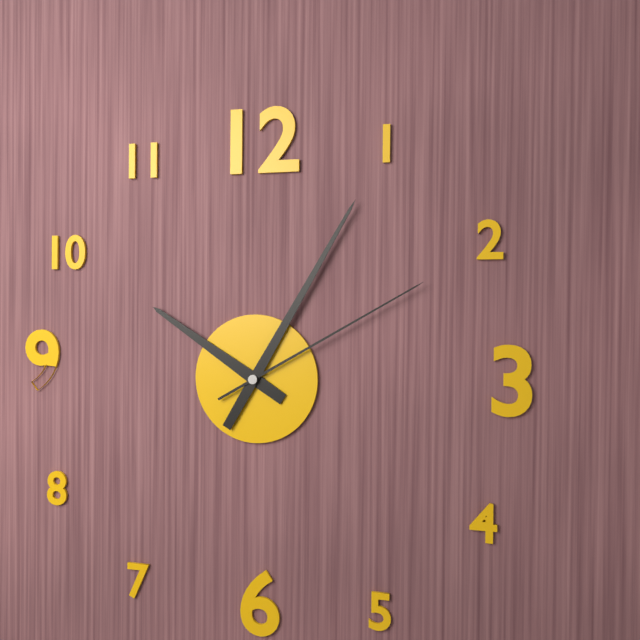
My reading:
10h05m10s
